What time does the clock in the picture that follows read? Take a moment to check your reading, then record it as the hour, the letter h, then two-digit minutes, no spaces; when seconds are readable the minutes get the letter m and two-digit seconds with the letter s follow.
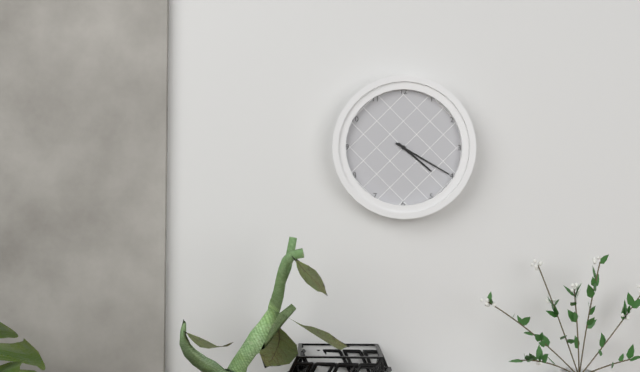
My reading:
4h20
